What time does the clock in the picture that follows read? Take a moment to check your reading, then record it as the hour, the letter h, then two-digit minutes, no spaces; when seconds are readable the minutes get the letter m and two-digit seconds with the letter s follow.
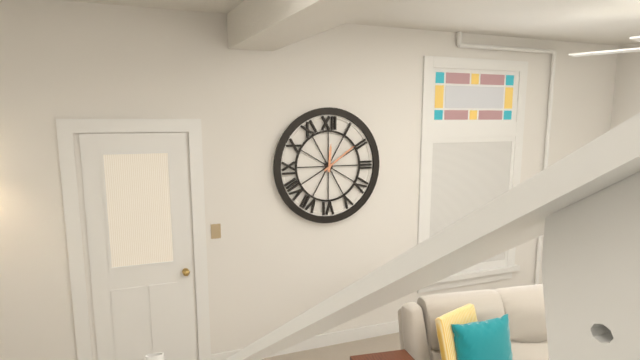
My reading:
12h09
